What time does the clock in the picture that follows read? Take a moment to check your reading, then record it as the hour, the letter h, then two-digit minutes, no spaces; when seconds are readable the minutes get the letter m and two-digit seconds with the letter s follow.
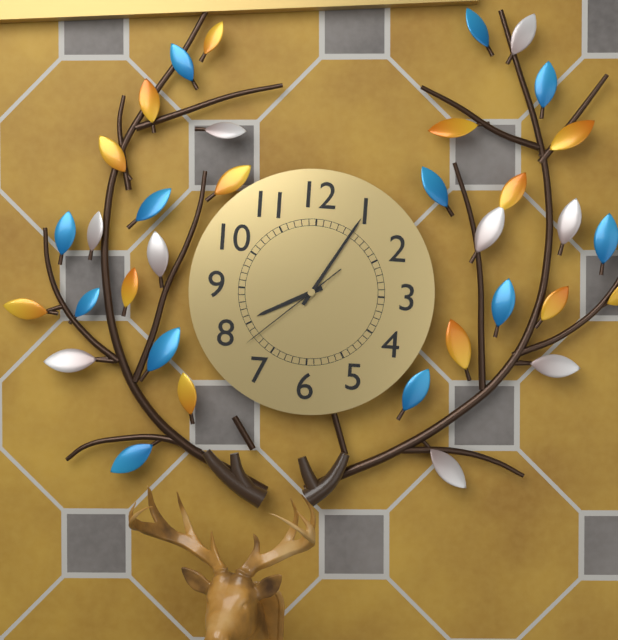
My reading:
8h05m38s
